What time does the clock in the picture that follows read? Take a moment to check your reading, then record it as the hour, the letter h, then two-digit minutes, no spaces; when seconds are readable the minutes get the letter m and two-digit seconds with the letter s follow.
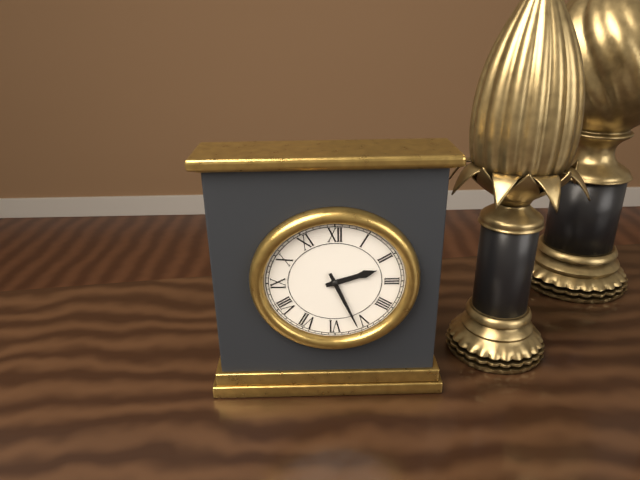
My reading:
2h26
